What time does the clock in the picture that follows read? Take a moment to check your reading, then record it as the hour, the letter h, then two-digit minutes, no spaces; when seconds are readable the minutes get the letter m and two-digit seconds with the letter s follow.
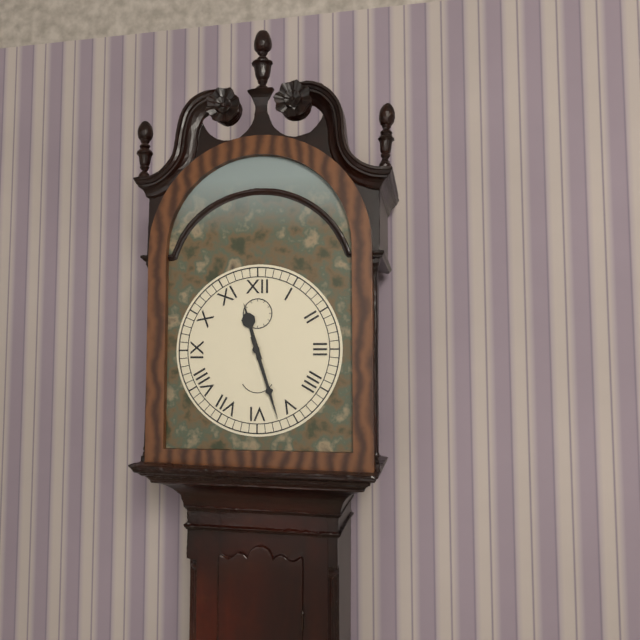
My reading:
11h27
